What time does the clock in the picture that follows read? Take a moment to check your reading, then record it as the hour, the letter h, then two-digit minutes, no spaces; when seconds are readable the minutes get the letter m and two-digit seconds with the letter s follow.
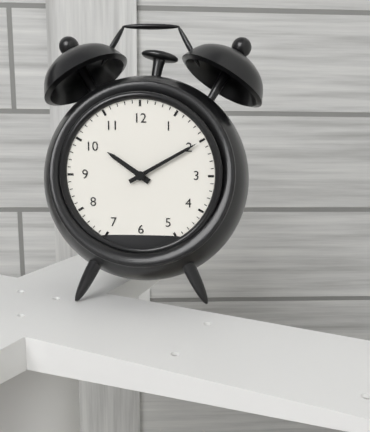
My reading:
10h10
